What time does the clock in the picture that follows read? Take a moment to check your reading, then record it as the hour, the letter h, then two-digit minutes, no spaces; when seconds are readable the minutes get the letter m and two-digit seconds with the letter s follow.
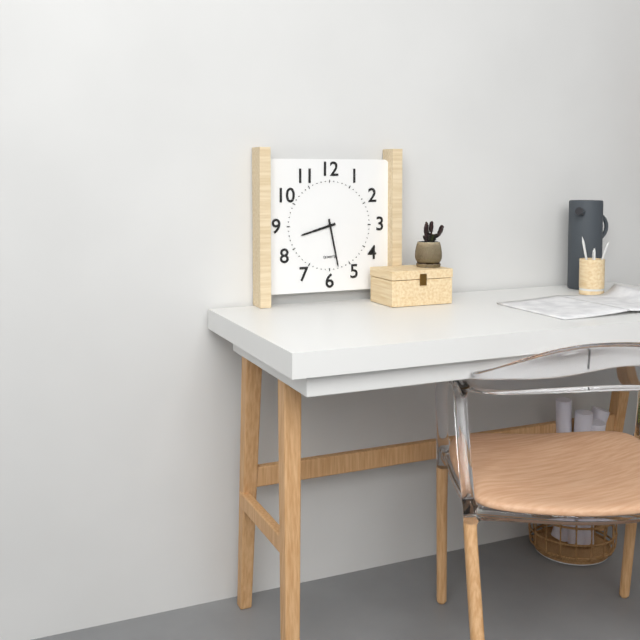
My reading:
8h28
